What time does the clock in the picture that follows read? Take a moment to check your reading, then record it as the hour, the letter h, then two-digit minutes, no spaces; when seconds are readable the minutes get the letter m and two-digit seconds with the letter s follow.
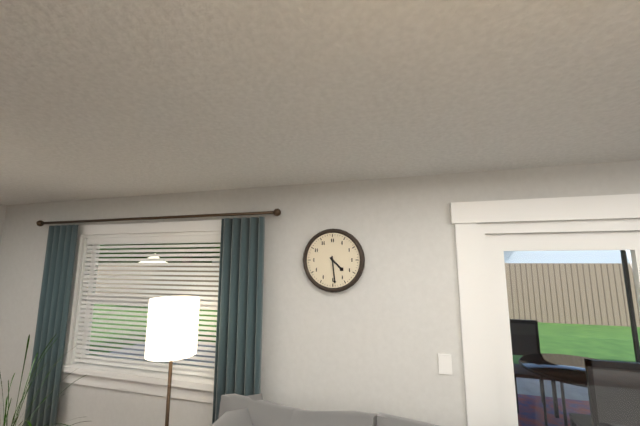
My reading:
4h29
